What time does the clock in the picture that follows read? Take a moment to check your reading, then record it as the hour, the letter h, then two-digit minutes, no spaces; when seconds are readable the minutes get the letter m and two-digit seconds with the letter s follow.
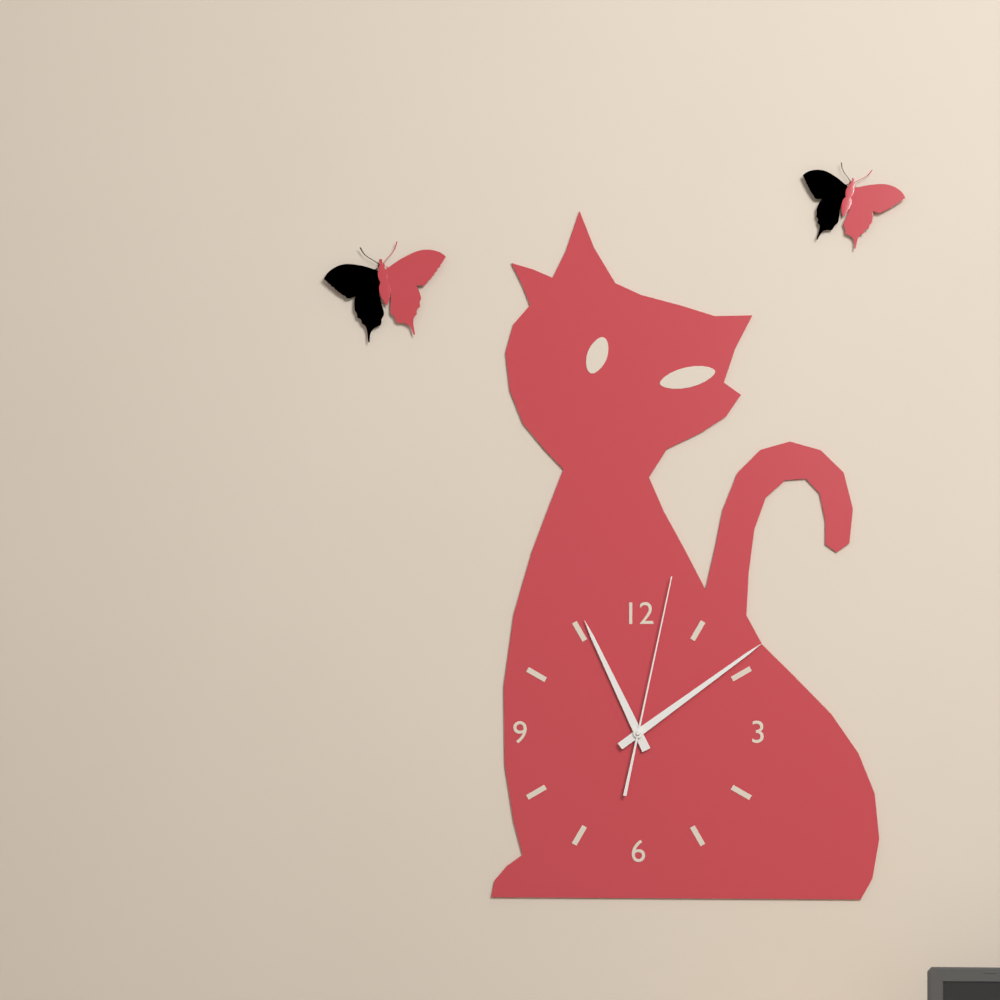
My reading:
11h09m02s
